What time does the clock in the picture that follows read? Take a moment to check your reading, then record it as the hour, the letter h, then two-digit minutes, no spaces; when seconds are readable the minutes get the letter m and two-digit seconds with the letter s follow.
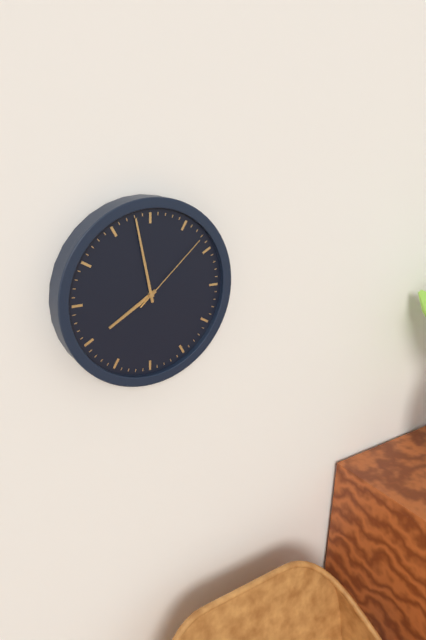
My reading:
7h58m08s
